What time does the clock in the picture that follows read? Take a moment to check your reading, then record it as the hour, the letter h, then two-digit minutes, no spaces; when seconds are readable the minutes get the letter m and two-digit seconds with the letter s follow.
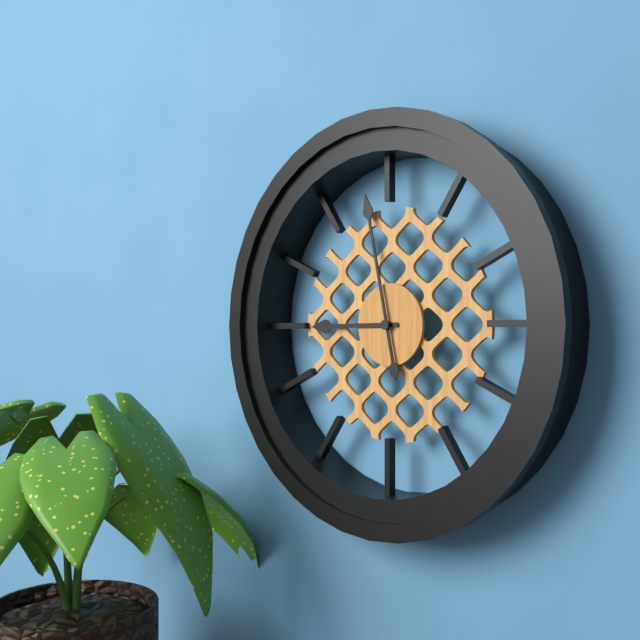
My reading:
8h58
